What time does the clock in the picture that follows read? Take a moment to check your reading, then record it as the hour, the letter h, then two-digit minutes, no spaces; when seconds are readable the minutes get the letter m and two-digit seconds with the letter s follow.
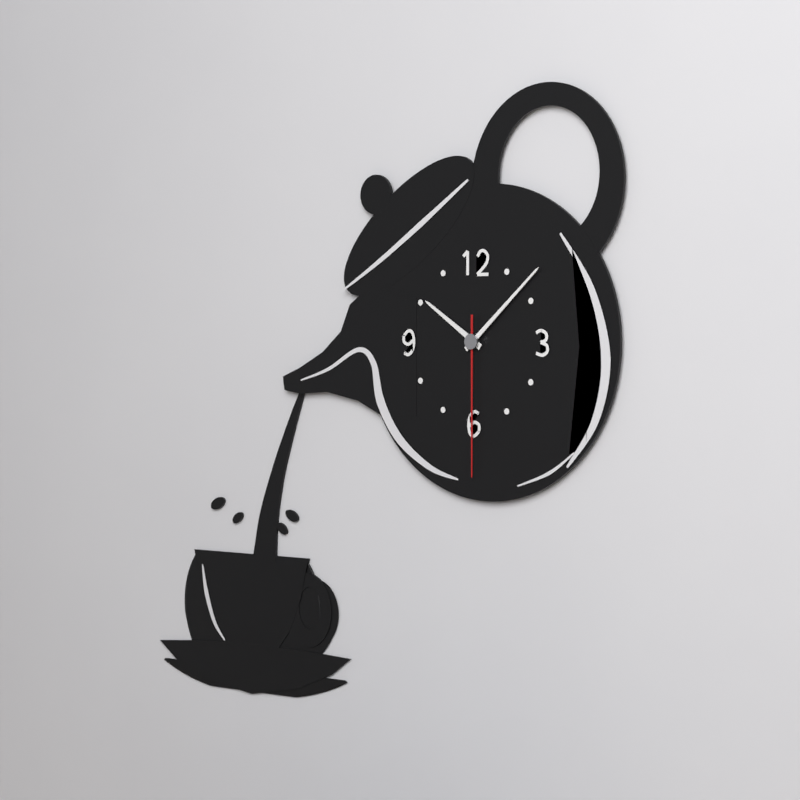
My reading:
10h08m30s
